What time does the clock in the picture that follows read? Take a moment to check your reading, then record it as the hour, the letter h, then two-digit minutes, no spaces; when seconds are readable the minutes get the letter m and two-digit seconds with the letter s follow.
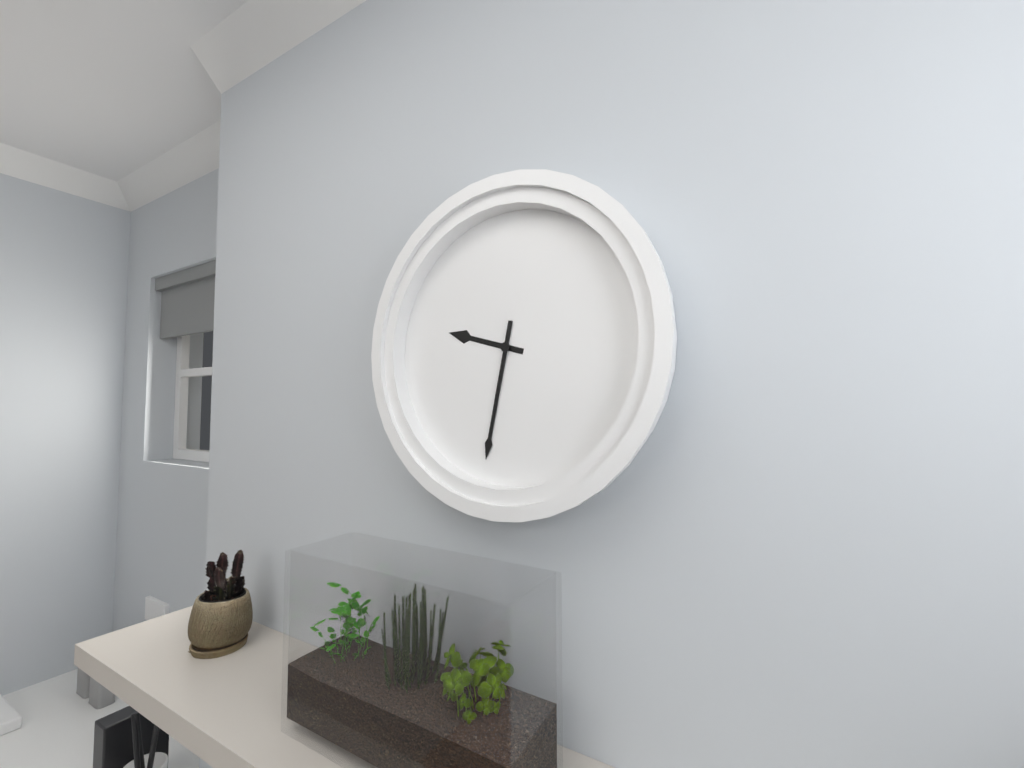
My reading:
9h32
